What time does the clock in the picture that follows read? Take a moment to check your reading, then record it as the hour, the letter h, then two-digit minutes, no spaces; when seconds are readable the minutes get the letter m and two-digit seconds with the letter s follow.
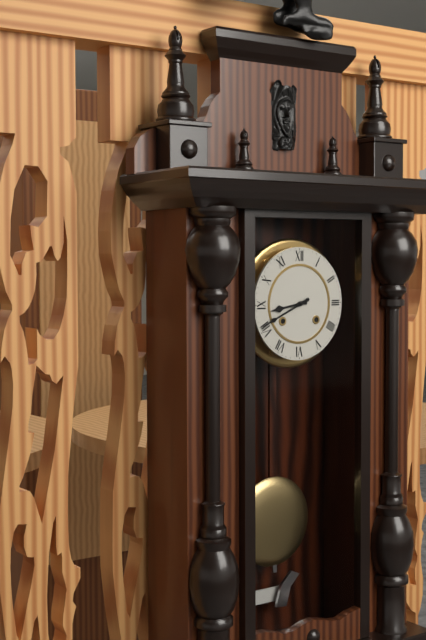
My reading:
8h41
